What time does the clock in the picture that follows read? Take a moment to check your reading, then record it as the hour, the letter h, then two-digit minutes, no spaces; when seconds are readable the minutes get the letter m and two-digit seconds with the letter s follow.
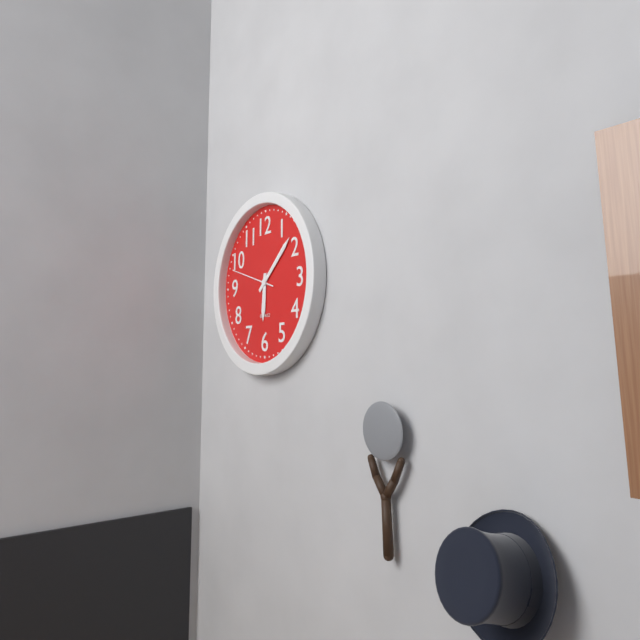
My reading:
6h08
